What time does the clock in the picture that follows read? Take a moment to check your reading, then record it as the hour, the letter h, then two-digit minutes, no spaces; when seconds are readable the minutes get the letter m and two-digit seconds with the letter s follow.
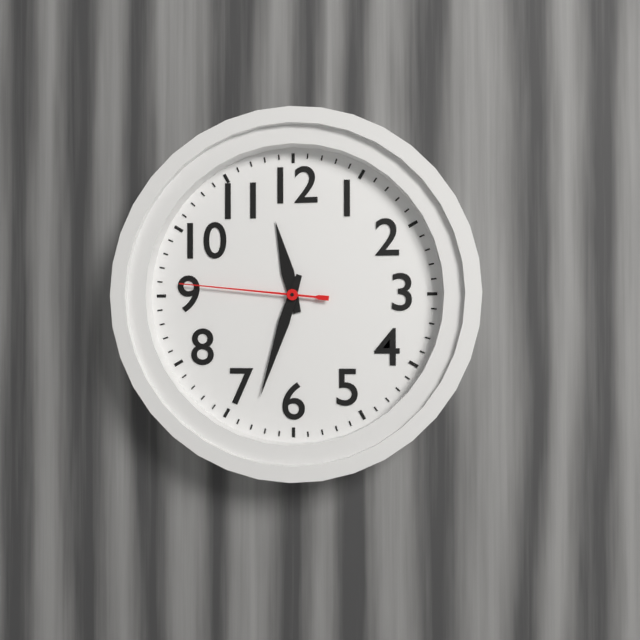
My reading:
11h33m46s
